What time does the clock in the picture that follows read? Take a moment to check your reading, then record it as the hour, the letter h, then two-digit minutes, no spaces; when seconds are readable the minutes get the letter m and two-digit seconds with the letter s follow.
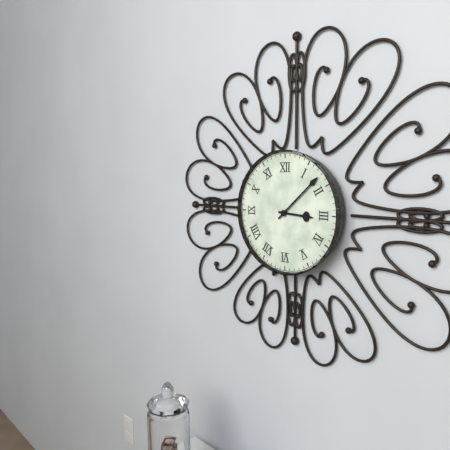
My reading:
3h08
